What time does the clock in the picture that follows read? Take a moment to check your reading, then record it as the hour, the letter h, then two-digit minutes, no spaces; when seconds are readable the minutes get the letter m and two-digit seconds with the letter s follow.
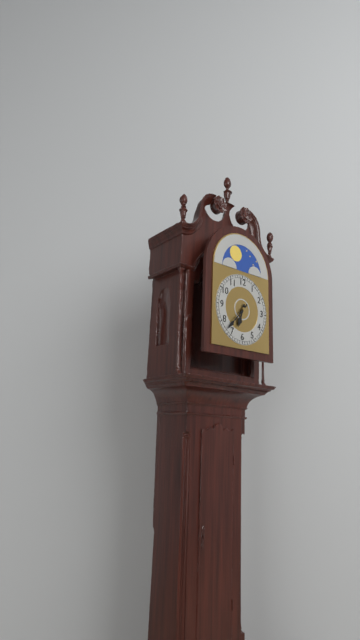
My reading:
6h37
